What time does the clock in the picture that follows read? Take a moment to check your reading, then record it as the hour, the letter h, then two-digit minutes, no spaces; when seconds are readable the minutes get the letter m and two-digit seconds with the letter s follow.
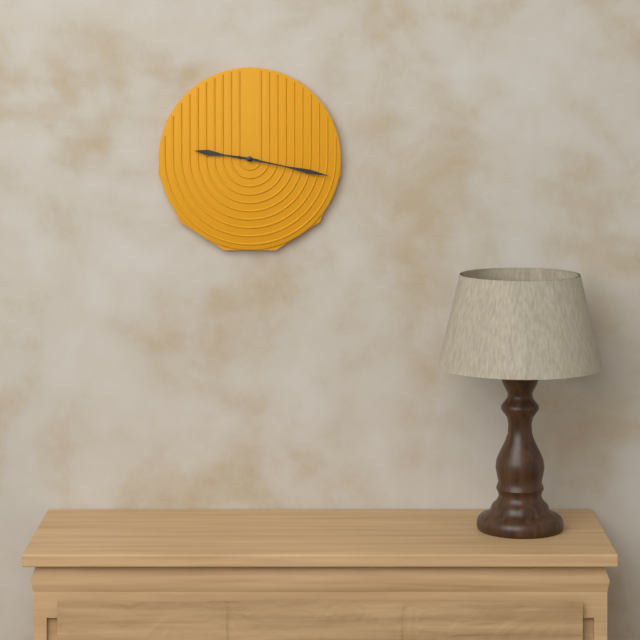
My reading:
9h17
